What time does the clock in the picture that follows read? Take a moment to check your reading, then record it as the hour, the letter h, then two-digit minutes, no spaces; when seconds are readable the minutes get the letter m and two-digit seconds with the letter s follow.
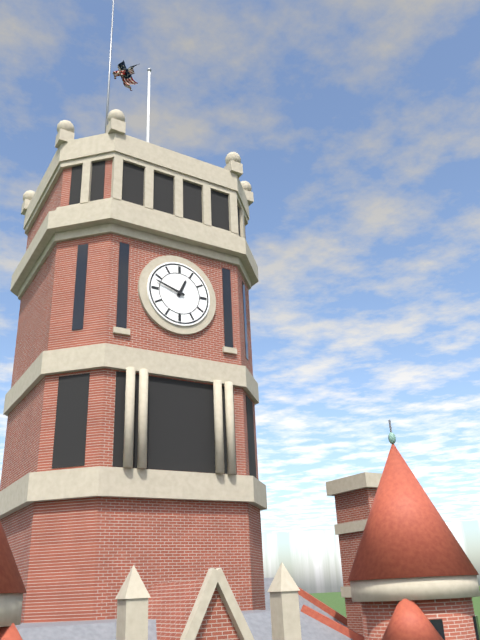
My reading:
12h48
